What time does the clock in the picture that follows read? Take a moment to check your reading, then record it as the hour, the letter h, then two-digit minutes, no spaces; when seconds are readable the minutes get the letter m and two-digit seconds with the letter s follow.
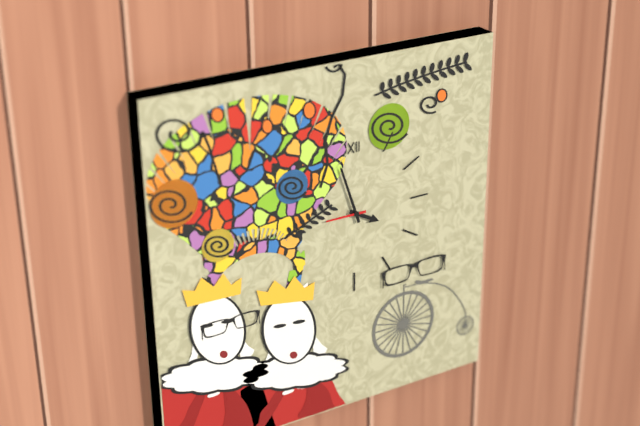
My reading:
3h57
